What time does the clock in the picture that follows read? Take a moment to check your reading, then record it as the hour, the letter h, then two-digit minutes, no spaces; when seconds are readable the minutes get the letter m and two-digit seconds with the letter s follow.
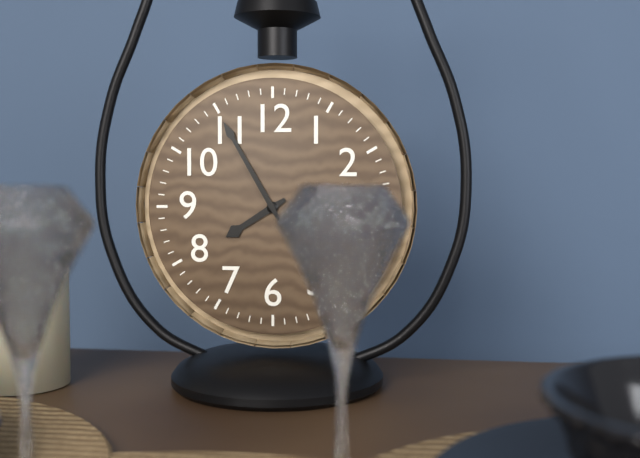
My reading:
7h55
